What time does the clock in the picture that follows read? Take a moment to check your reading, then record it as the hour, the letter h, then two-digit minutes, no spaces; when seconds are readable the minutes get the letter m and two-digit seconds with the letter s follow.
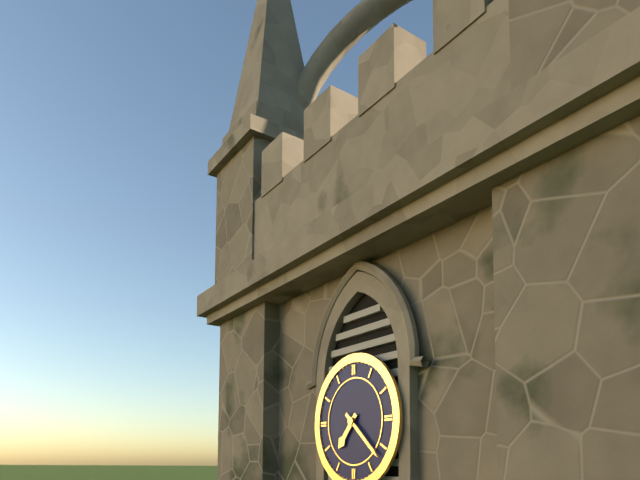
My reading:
7h22
